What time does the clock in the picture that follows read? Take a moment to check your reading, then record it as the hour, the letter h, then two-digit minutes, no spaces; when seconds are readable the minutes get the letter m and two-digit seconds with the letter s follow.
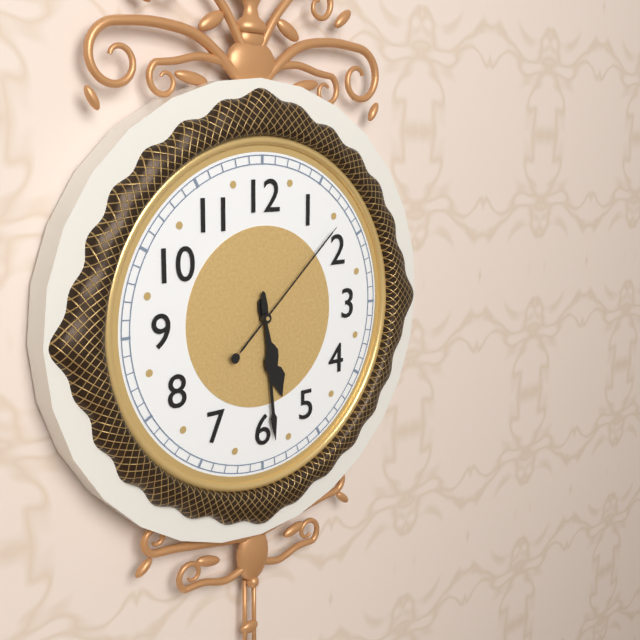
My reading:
5h29m08s
